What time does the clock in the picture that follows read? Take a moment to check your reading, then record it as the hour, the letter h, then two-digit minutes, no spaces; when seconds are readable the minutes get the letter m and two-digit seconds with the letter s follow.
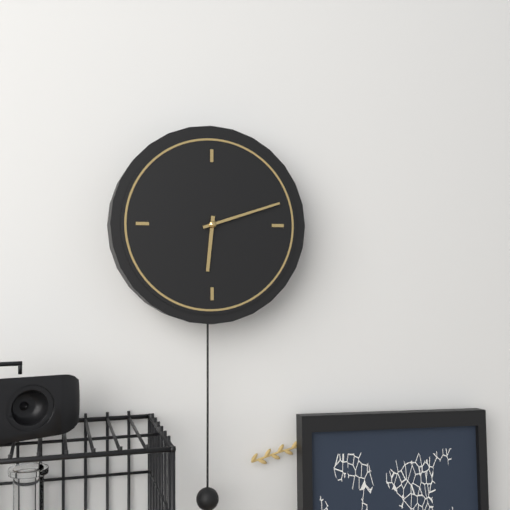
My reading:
6h12
